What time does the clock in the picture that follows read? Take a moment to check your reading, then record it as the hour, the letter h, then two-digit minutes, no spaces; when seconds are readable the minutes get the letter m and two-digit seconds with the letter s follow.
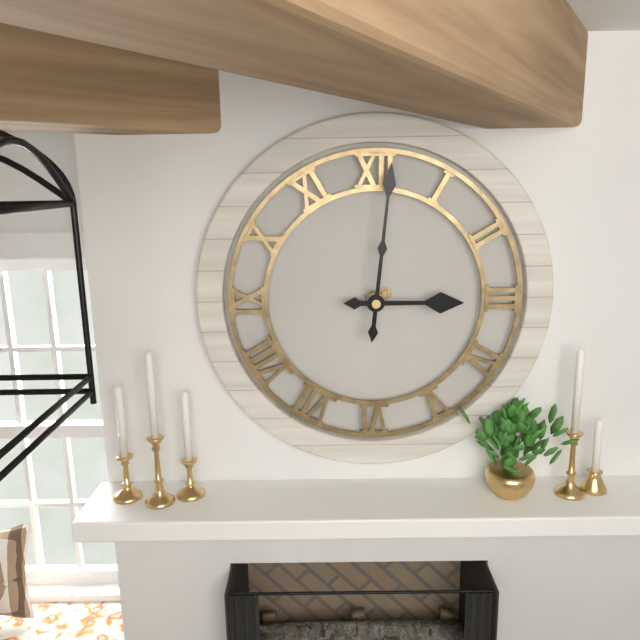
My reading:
3h01
